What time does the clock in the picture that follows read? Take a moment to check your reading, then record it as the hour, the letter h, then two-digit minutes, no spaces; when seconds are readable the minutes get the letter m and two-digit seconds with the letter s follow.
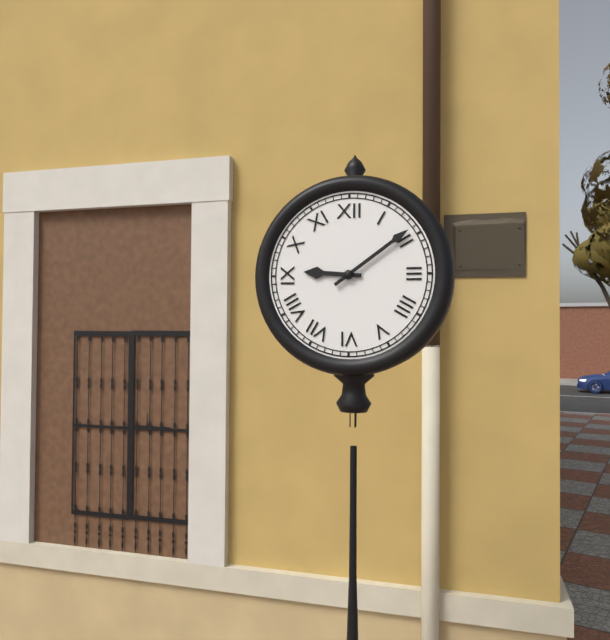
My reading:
9h09
